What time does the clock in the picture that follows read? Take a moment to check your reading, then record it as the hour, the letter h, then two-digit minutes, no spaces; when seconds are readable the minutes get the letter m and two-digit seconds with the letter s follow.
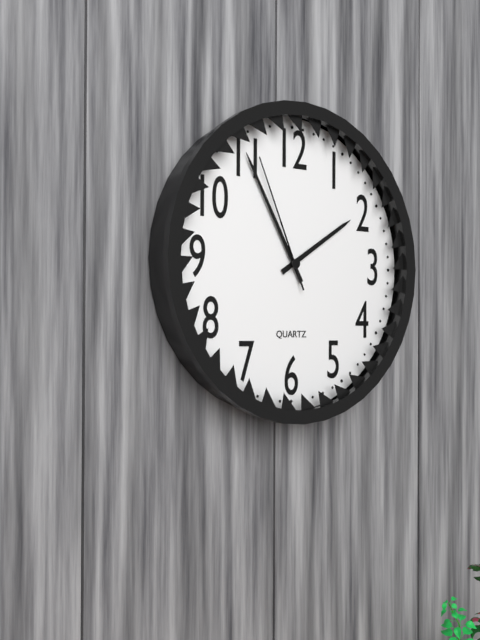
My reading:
1h55m56s
